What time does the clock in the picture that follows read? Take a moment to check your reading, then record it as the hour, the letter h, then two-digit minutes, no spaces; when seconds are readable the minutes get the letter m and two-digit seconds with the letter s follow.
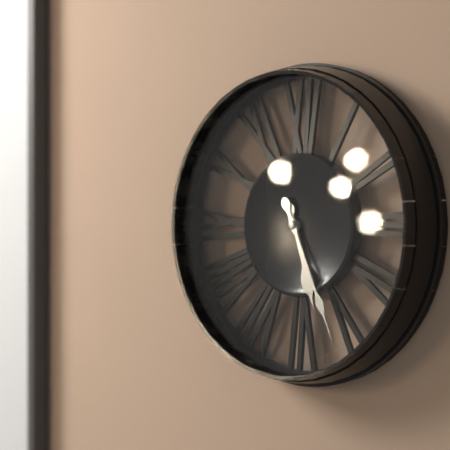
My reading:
5h26
